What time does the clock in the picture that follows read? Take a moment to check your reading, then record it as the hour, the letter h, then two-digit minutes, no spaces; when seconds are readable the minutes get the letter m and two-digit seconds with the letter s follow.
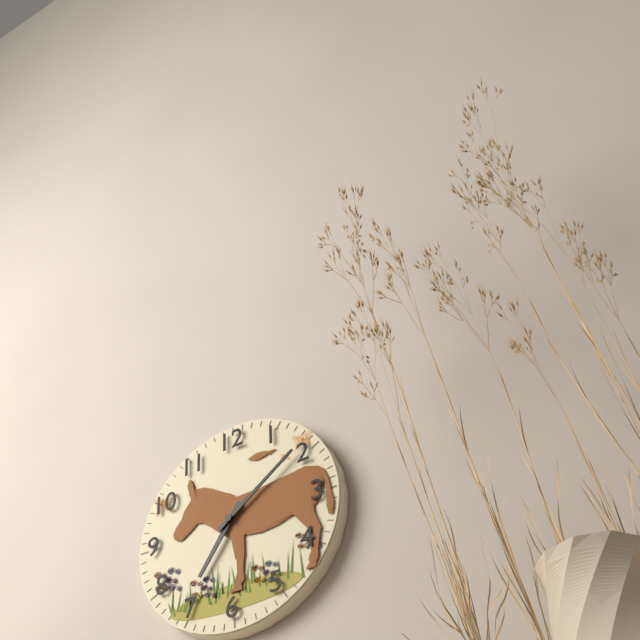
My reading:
7h09
